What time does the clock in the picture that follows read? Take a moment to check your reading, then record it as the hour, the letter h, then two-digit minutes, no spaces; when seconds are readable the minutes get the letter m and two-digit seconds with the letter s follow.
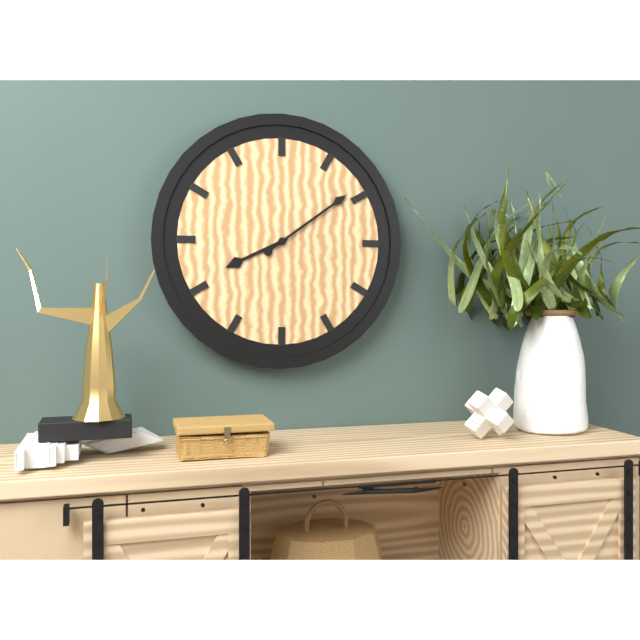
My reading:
8h09
